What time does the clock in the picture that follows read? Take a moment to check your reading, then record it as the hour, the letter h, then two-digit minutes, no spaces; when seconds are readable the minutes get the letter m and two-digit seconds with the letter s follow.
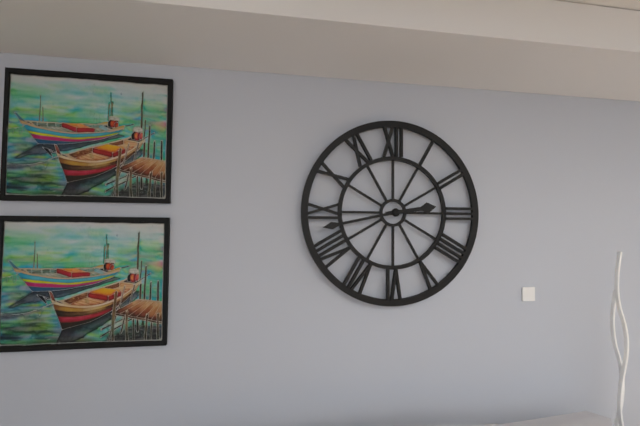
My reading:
2h43
